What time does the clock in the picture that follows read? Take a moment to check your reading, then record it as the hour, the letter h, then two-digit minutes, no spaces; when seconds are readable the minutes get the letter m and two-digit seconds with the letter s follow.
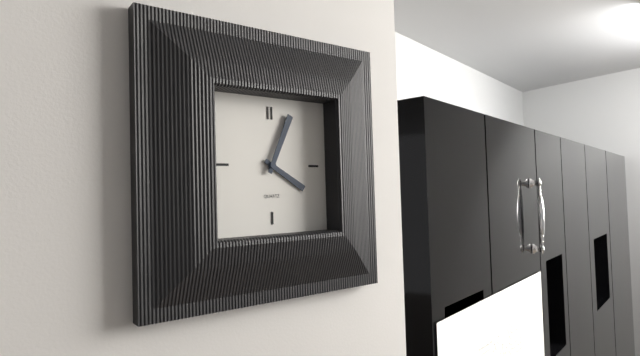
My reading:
4h04
